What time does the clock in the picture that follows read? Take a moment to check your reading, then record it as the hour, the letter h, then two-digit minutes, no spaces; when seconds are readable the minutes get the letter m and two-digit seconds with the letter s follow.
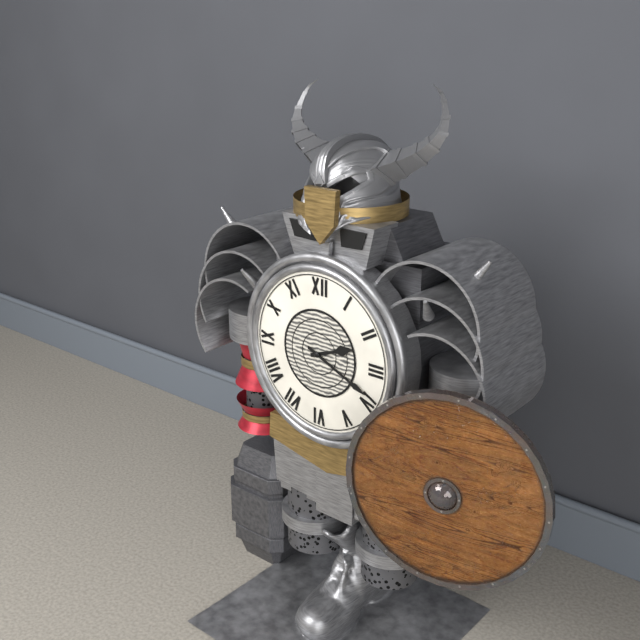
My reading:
2h19
